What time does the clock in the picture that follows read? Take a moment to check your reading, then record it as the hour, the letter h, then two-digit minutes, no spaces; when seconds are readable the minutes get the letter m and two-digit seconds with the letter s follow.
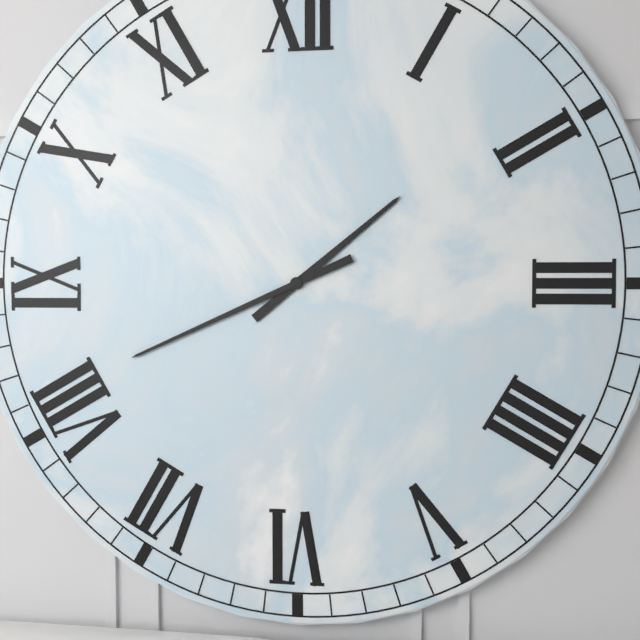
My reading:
1h41
